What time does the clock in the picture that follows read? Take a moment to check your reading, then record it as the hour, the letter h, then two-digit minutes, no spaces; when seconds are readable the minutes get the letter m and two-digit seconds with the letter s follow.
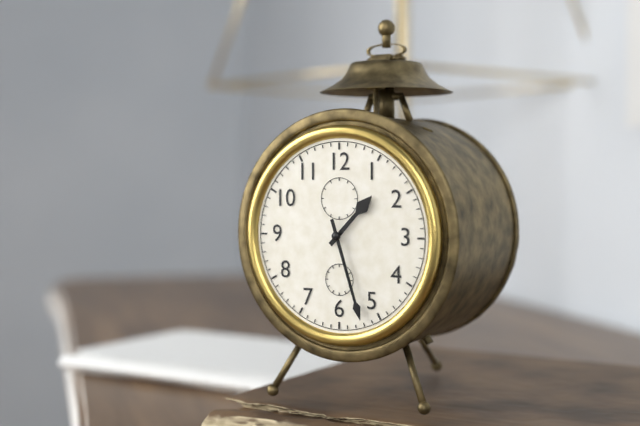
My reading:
1h27
